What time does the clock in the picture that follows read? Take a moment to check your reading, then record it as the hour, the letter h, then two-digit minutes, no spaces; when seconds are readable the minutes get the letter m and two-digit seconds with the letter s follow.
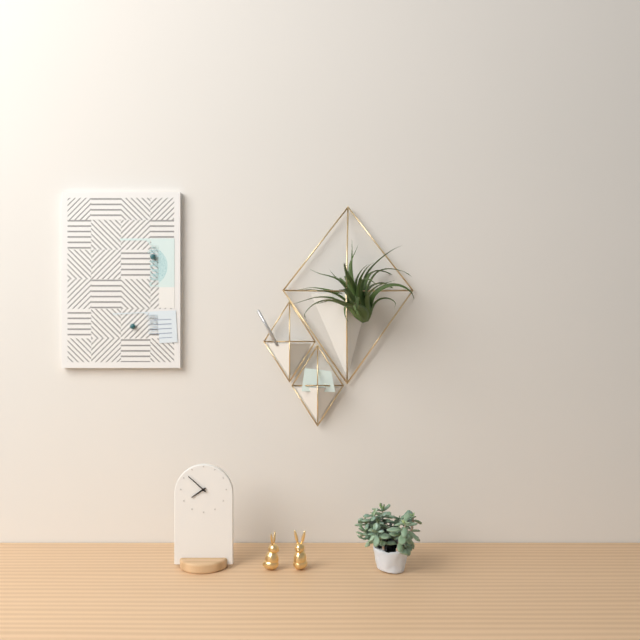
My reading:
7h52
